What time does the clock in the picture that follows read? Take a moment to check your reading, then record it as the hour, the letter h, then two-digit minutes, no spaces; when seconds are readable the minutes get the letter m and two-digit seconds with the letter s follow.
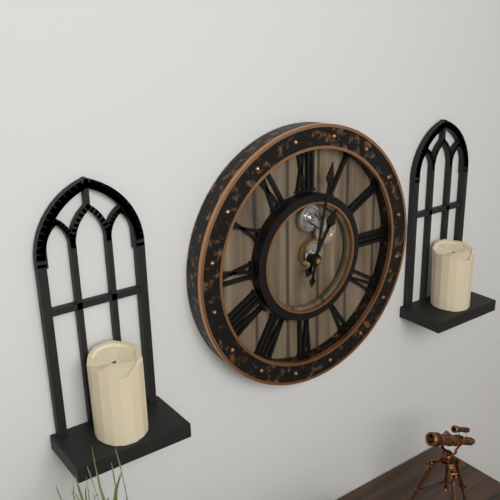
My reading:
1h02
